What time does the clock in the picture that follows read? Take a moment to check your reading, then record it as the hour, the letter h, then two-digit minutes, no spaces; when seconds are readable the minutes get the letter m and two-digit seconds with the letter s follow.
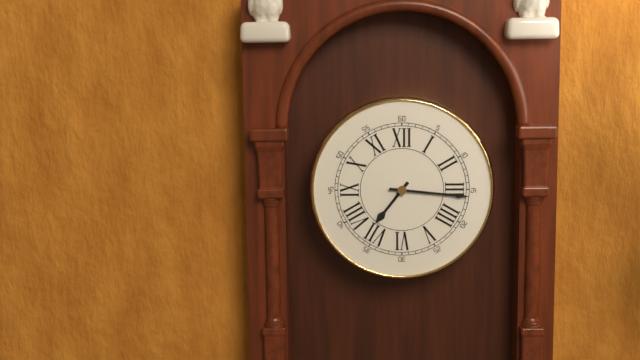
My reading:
7h16
